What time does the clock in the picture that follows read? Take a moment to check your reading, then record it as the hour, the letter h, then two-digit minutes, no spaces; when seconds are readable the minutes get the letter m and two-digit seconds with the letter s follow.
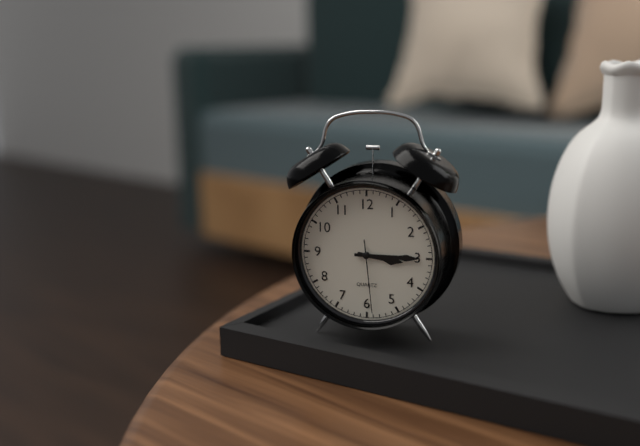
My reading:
3h15m29s
